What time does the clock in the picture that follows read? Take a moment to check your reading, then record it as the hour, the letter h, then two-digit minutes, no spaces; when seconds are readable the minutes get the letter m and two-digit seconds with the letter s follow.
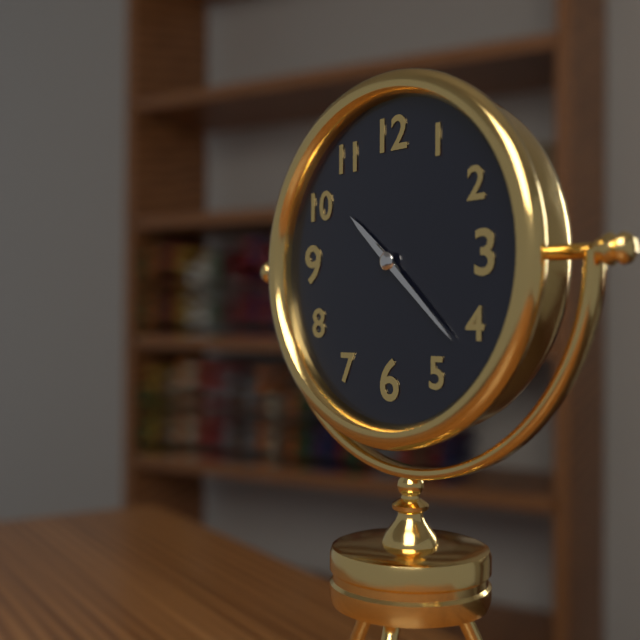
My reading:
10h22
